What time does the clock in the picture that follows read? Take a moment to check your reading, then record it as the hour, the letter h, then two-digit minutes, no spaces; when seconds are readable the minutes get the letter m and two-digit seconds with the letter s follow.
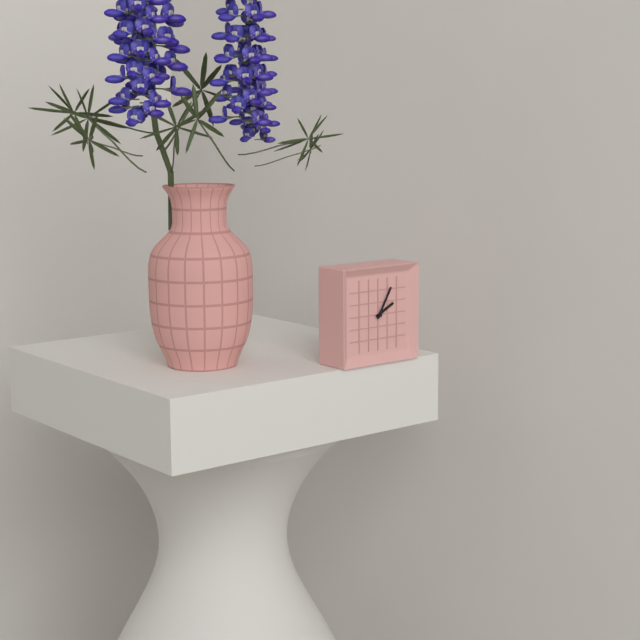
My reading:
2h05
